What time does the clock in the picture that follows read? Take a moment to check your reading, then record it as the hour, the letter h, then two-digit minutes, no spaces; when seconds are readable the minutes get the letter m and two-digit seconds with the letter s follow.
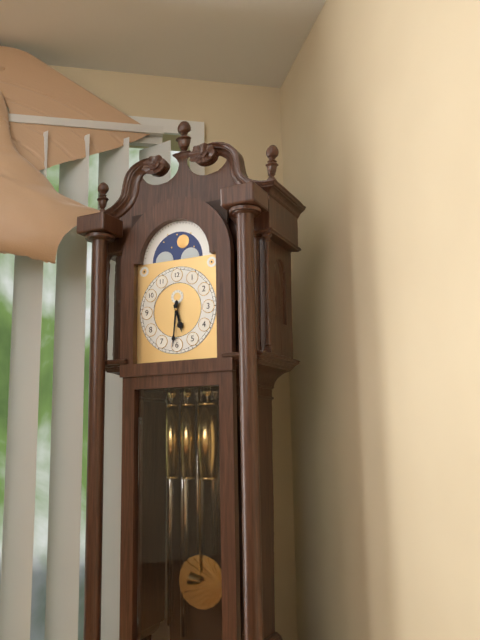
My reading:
5h31
